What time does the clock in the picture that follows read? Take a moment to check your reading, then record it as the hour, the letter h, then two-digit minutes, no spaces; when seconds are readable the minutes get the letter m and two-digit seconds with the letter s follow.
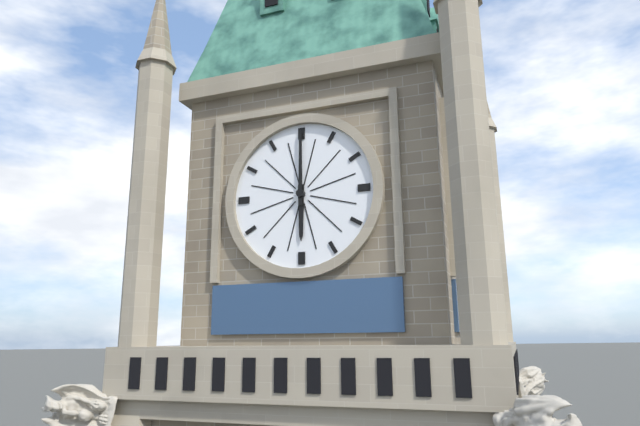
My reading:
6h00
